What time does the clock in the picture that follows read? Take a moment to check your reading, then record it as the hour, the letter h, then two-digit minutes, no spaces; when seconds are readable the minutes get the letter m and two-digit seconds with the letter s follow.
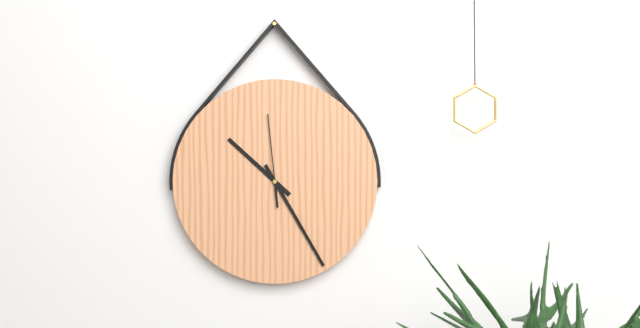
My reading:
10h25m59s
